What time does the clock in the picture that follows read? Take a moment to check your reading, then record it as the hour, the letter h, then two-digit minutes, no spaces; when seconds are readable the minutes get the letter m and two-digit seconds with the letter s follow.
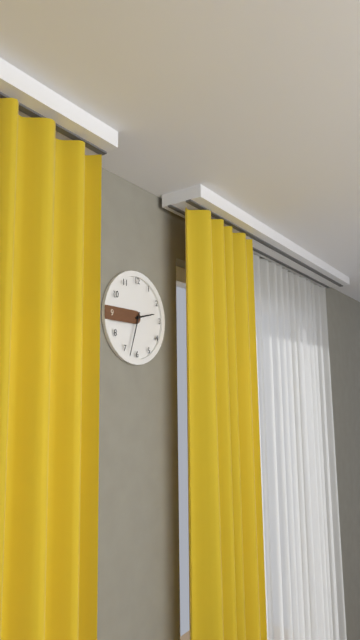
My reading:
2h33
